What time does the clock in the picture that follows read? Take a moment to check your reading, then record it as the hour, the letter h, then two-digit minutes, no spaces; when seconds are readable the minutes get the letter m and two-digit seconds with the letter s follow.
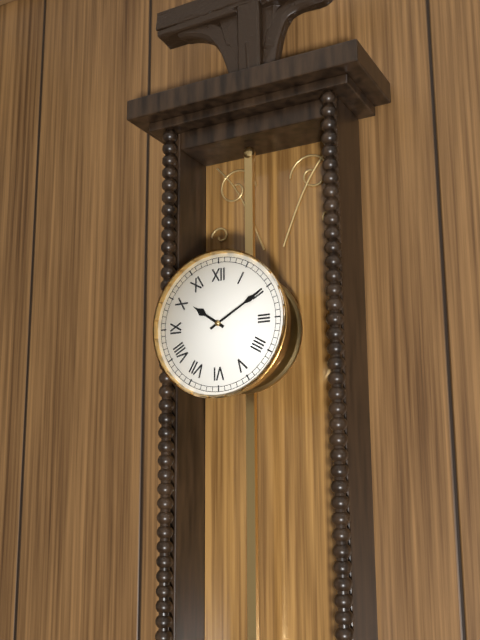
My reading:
10h10
